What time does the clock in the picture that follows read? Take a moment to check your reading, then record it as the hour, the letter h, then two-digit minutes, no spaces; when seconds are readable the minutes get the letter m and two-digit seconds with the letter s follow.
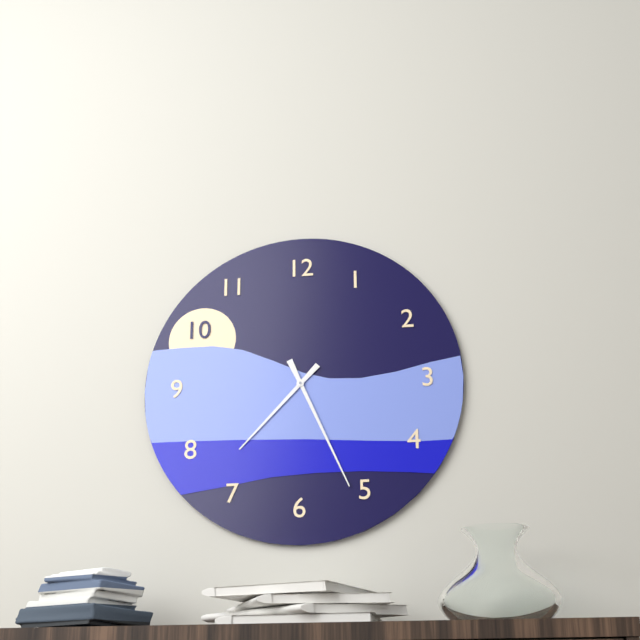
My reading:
7h26
